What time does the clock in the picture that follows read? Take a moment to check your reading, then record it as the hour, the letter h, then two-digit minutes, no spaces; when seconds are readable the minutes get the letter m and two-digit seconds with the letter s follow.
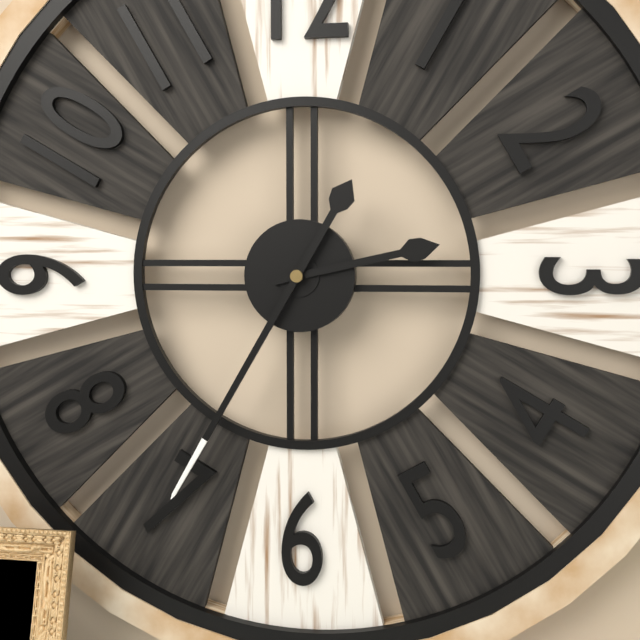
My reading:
2h35
